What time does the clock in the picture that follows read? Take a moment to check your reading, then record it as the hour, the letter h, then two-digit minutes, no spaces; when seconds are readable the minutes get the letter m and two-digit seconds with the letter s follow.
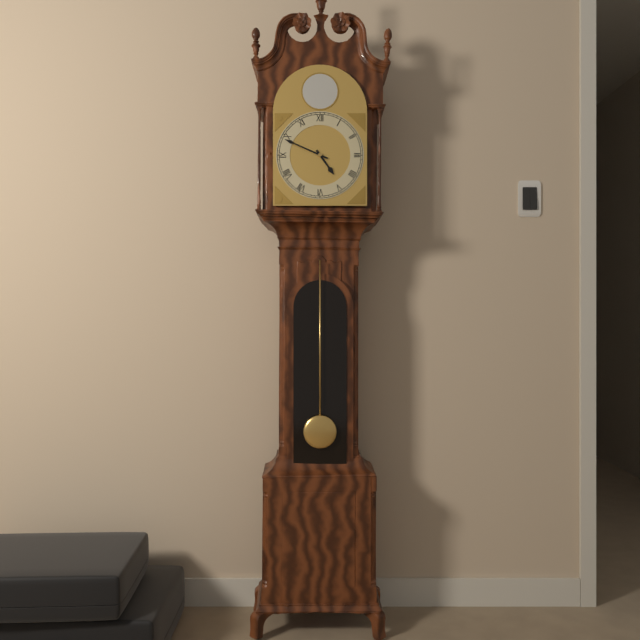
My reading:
4h49
